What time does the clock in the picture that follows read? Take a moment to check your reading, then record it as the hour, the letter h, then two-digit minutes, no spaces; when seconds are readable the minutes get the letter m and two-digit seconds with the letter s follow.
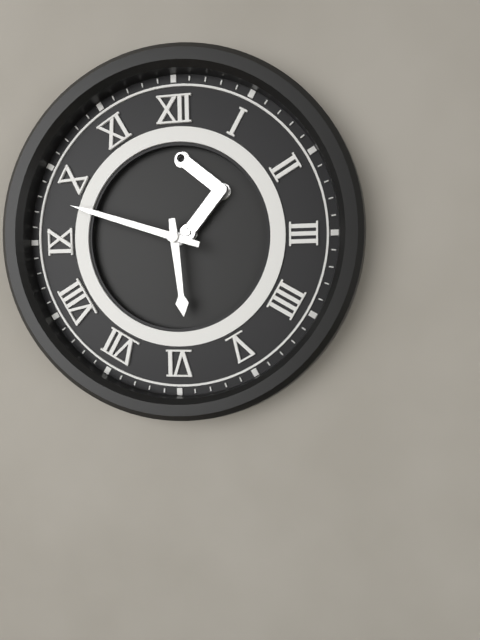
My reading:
5h48
